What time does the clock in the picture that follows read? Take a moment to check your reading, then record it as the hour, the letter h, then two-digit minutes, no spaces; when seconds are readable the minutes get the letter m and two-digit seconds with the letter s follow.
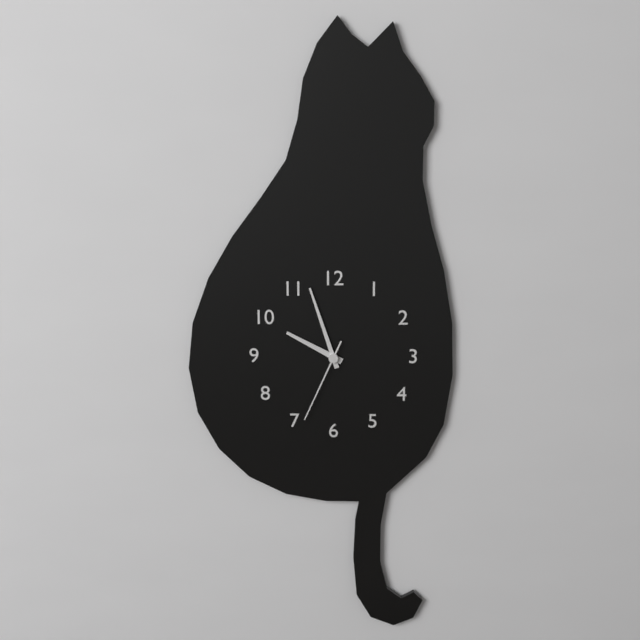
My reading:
9h57m34s
